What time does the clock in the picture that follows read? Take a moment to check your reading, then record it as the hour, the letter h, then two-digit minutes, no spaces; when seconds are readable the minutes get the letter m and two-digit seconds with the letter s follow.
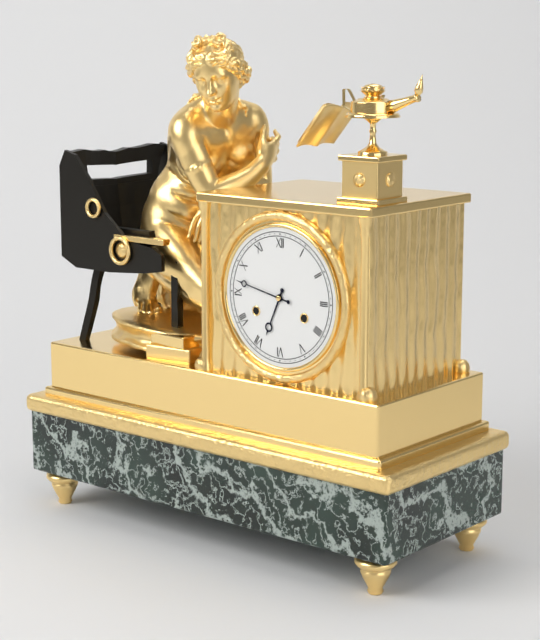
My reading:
6h47
